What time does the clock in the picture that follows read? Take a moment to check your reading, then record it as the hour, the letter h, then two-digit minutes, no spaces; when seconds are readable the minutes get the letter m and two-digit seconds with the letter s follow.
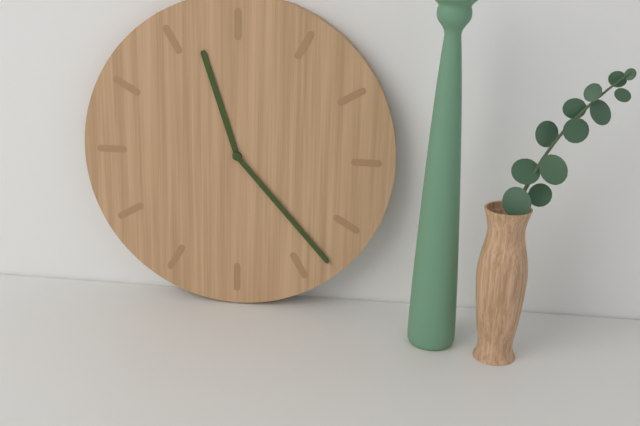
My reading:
11h23
